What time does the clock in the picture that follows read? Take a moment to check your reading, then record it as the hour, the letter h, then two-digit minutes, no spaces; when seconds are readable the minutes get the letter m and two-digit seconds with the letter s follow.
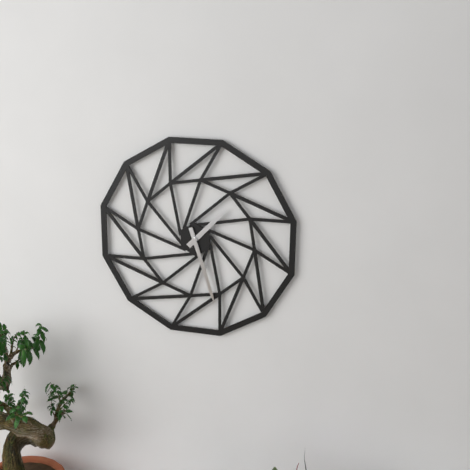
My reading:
1h27
